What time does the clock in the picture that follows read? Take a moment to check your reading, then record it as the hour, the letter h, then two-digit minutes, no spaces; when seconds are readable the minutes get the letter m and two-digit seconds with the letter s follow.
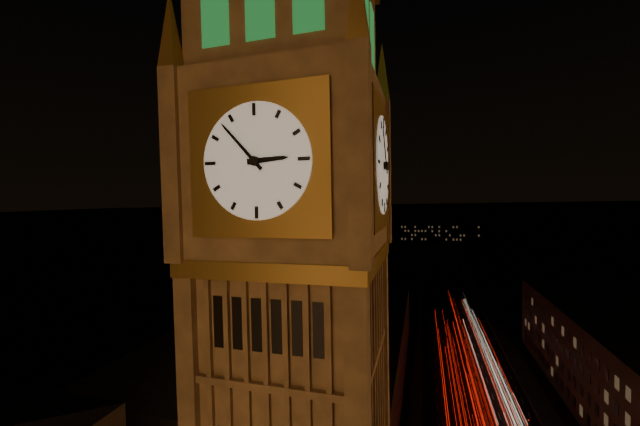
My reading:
2h53
